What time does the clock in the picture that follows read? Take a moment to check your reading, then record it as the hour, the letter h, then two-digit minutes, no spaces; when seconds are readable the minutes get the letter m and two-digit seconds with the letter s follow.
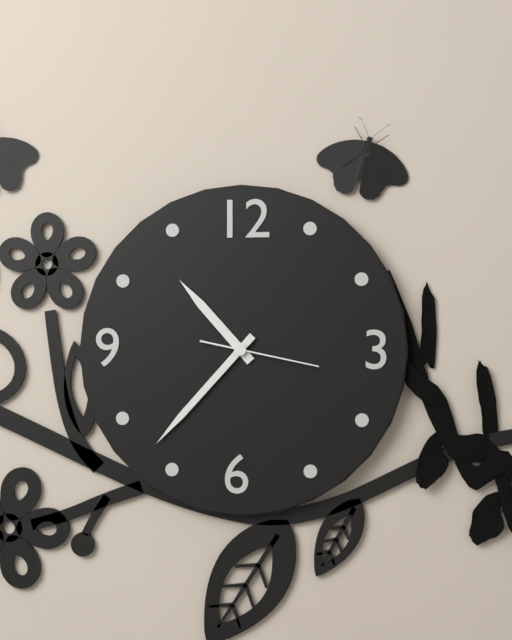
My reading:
10h37m17s
